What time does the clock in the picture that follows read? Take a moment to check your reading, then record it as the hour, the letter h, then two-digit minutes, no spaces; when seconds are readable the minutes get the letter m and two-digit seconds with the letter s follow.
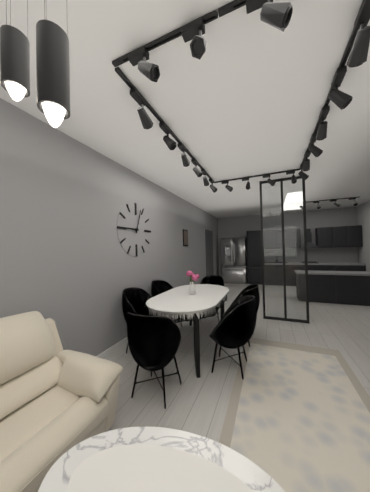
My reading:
9h03
